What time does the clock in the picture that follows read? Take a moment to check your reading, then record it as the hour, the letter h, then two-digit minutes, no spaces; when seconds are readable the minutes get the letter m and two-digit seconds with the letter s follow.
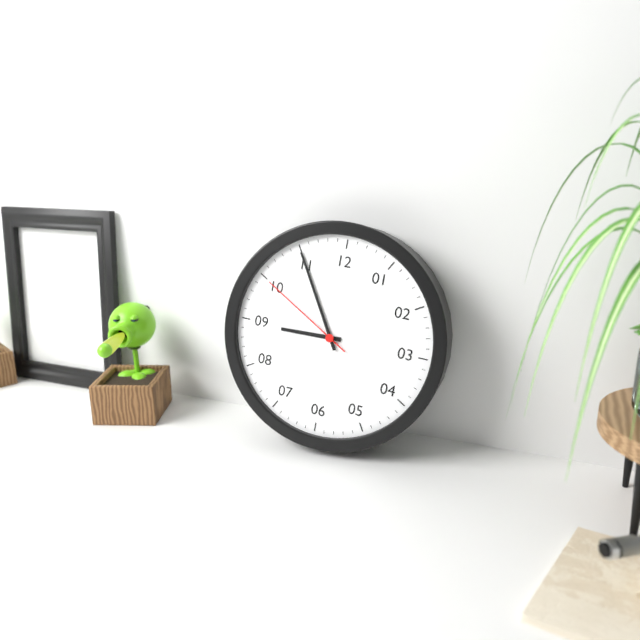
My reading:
8h55m50s
